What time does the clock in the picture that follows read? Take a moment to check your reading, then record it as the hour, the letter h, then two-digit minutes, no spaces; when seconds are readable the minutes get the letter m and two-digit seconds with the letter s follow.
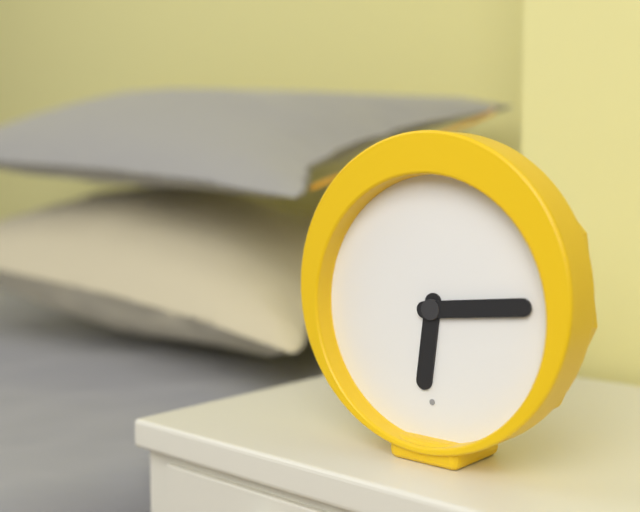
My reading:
6h14
